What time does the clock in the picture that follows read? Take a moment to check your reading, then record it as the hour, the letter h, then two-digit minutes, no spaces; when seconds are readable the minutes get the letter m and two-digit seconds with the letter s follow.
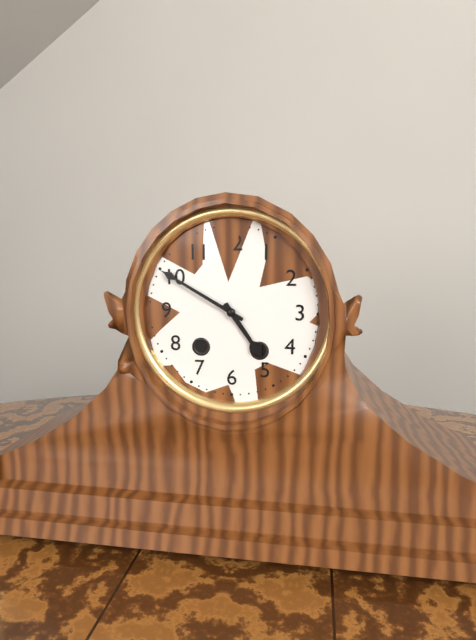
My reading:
4h50
